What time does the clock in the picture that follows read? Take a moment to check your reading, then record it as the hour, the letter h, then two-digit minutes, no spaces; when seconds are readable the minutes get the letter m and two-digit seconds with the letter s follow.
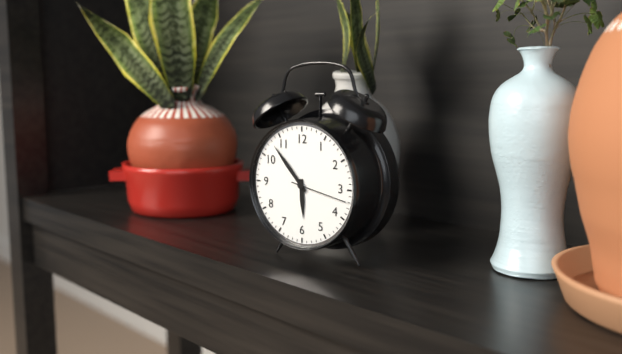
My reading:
5h53m17s
